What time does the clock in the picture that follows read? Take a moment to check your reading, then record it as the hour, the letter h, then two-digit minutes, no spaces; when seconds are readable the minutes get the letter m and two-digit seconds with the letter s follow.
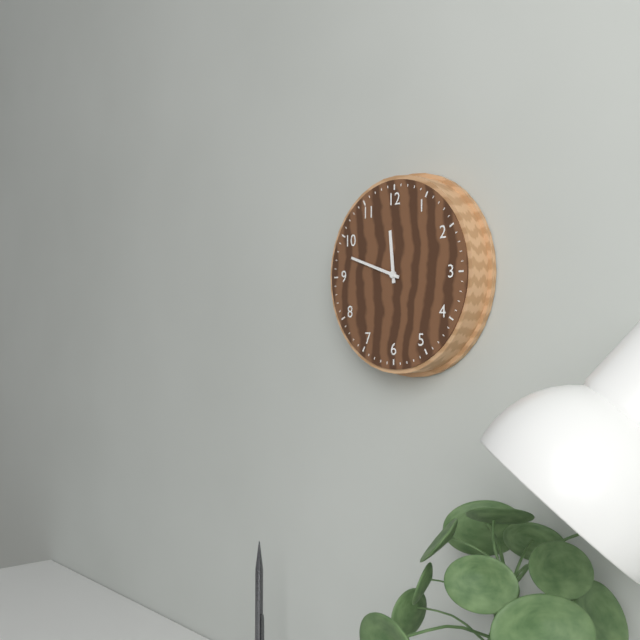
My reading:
11h48
